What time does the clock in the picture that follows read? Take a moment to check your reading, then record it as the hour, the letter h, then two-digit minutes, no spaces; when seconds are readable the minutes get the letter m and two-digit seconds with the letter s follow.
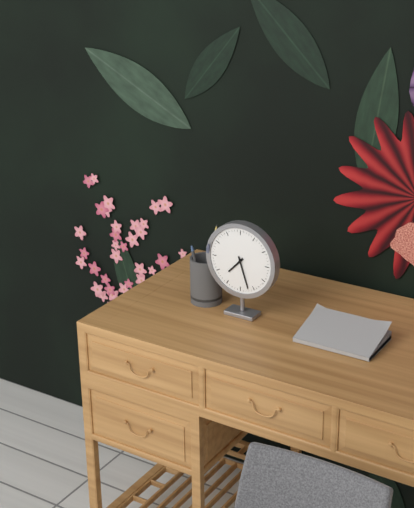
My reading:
7h27
